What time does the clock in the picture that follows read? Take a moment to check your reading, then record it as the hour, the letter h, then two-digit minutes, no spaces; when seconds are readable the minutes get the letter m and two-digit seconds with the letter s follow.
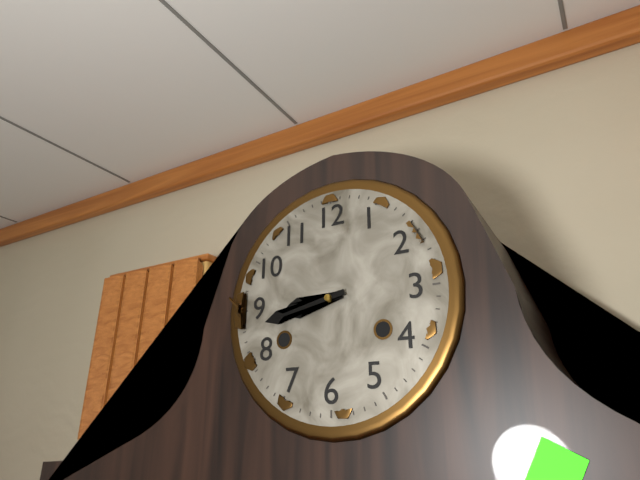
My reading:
8h43
